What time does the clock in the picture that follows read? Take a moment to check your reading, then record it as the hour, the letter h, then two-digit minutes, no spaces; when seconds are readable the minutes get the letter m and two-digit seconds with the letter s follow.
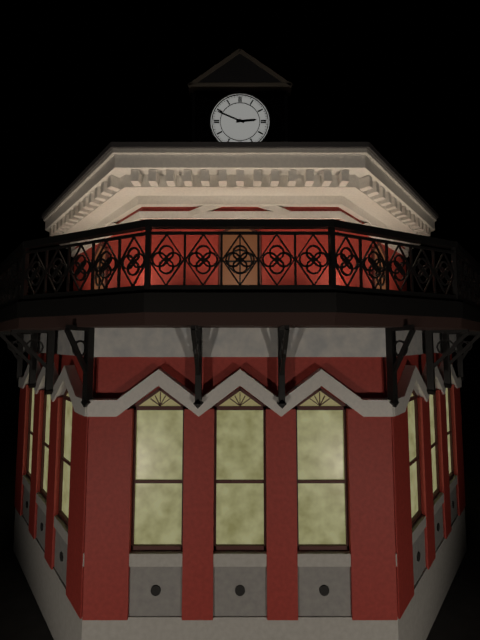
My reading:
2h49
